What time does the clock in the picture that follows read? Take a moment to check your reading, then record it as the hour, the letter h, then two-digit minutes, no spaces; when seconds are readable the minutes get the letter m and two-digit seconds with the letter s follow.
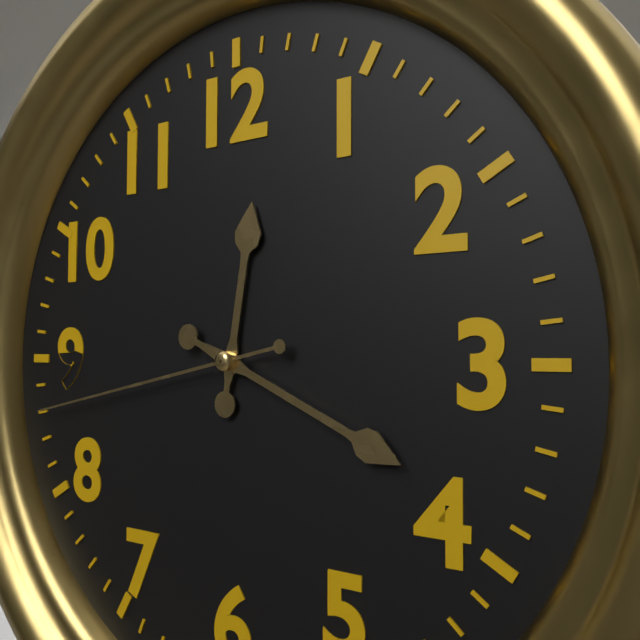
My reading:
12h19m43s
